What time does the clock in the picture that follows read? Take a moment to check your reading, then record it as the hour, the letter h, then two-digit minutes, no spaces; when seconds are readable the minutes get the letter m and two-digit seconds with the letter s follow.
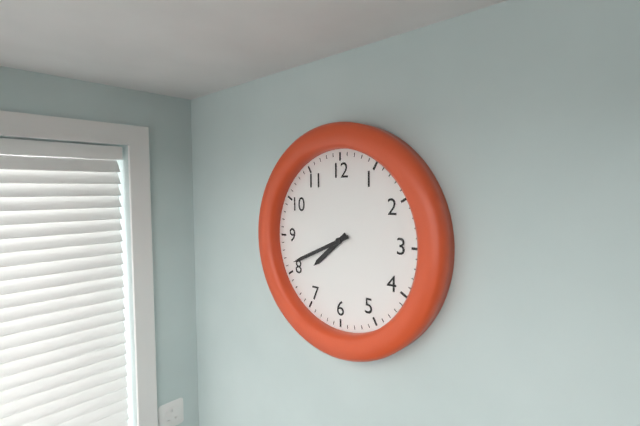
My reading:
7h41
